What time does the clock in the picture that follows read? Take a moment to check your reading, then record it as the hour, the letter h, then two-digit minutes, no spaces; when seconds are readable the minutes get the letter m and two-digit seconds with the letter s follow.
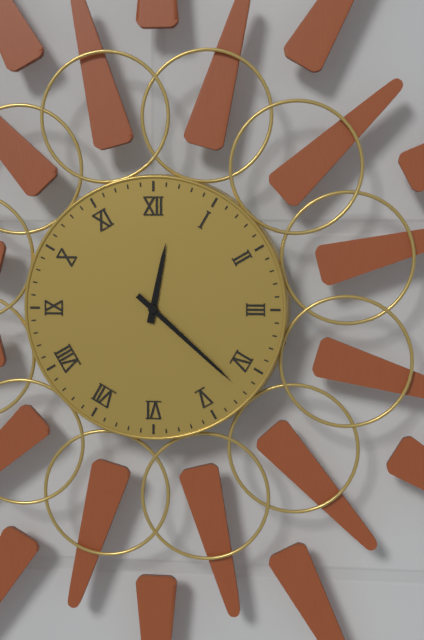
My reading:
12h22
